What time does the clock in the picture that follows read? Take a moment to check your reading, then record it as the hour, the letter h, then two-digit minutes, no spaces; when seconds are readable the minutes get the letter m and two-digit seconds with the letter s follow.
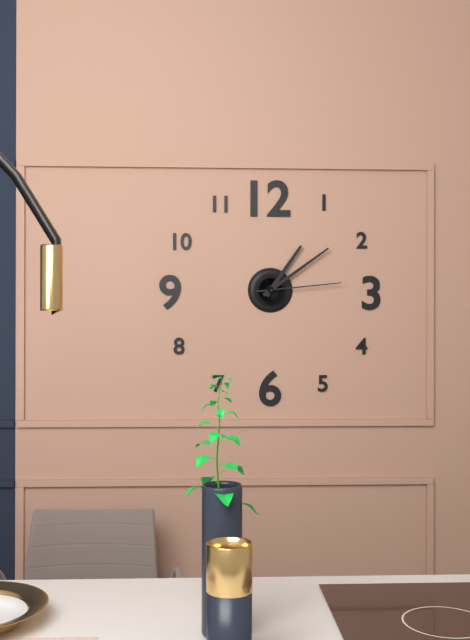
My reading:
1h09m14s
